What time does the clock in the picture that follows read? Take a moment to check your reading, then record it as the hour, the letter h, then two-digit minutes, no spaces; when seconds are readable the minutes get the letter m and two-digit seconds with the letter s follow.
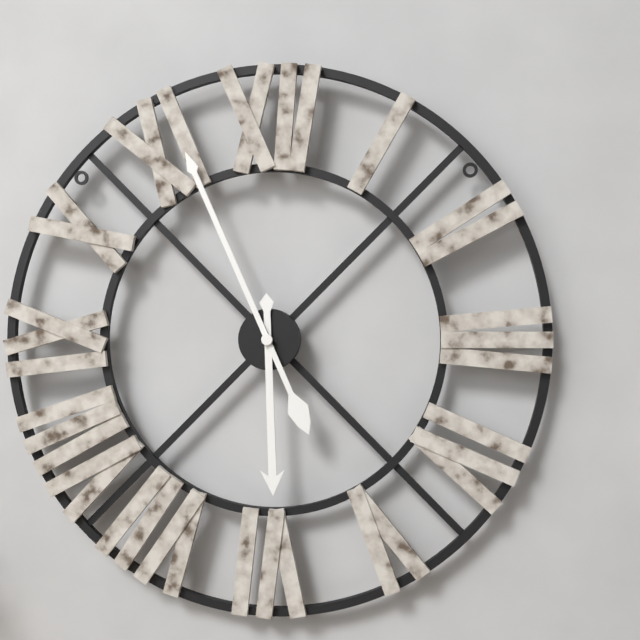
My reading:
5h56
